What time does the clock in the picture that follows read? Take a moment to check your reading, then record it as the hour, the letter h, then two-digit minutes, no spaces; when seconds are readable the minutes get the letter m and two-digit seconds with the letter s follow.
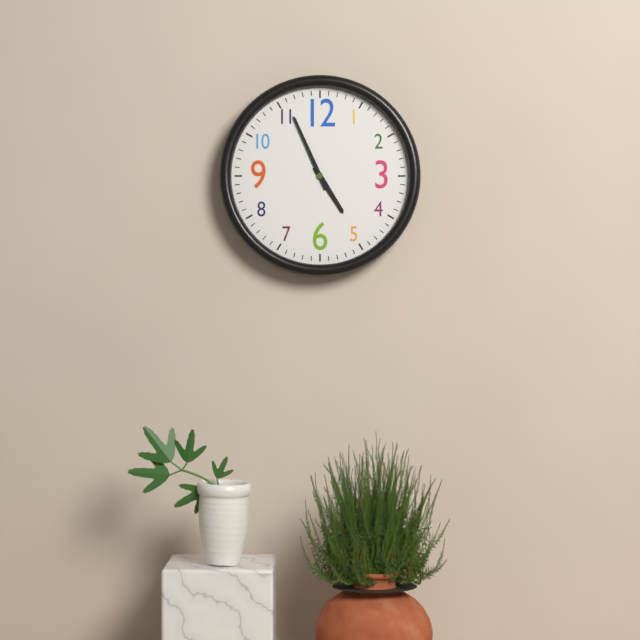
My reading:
4h56
